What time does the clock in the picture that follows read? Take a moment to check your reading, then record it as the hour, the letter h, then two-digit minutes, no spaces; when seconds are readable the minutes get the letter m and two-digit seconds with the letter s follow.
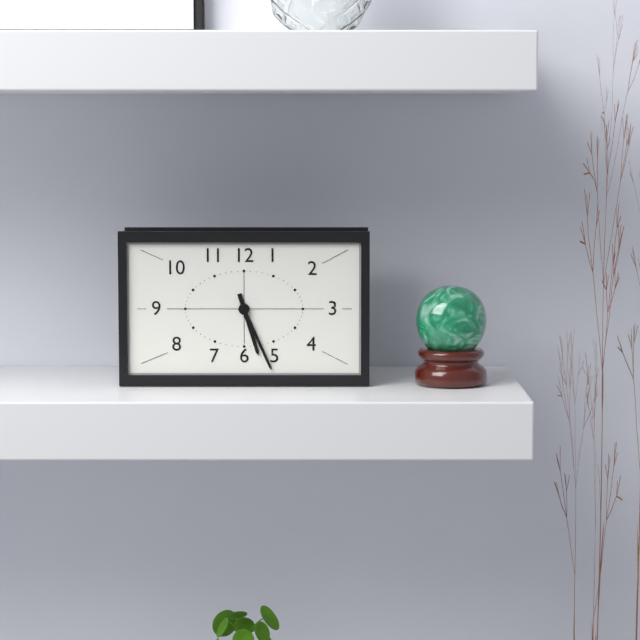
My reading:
5h26
